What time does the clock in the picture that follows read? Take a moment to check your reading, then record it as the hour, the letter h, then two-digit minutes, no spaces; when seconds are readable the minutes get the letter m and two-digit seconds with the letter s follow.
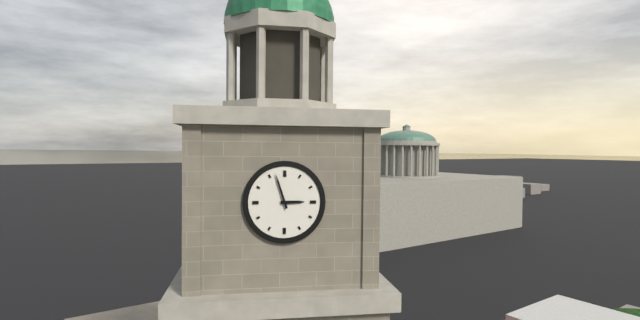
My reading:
2h57
